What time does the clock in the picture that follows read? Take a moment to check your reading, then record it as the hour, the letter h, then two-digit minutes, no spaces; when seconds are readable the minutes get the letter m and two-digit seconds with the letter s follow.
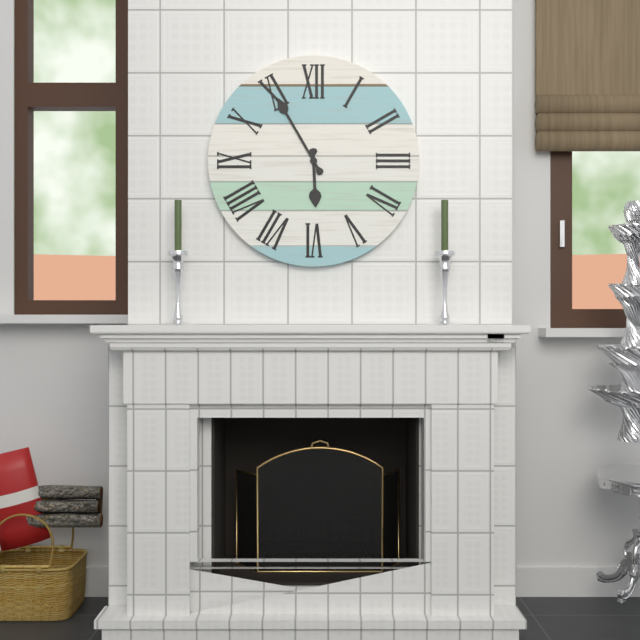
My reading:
5h55
